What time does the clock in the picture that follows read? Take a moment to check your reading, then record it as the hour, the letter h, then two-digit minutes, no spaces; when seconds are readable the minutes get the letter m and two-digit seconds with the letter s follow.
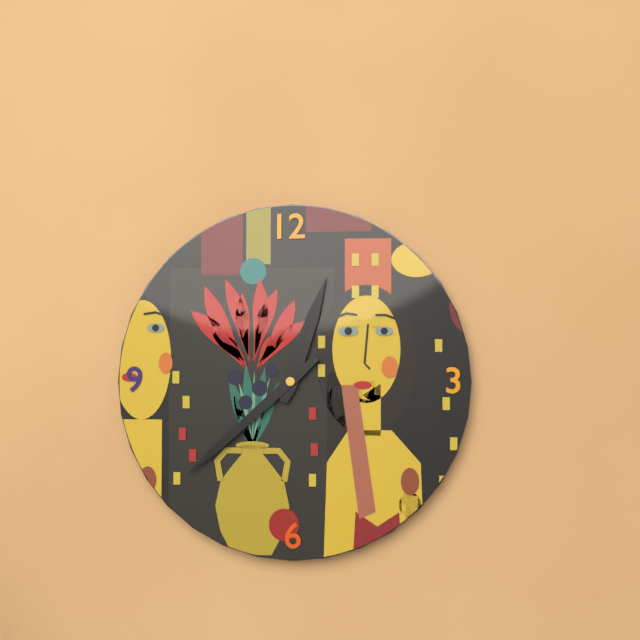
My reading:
12h38
